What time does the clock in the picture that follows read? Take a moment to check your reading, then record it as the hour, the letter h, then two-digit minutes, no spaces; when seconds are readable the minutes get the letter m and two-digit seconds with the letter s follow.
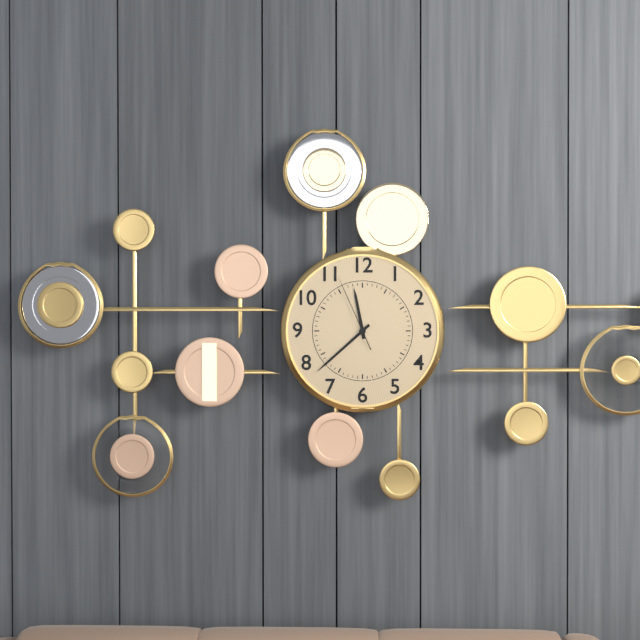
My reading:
11h38m56s
